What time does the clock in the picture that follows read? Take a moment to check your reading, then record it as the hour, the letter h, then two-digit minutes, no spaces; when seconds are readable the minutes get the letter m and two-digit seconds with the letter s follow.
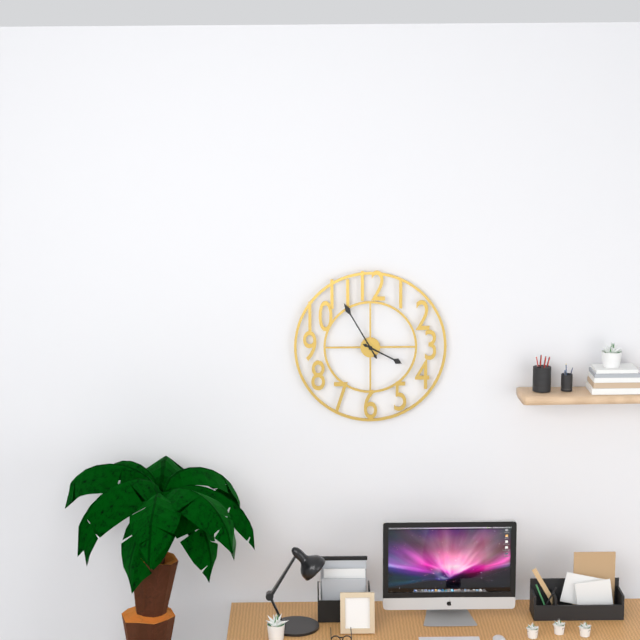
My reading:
3h55
